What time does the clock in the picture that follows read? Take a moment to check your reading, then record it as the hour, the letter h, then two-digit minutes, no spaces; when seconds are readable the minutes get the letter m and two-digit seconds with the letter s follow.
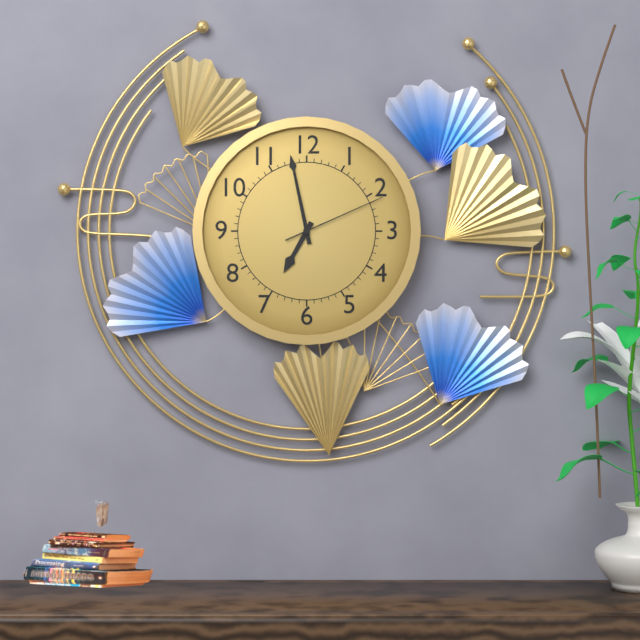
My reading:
6h58m11s
